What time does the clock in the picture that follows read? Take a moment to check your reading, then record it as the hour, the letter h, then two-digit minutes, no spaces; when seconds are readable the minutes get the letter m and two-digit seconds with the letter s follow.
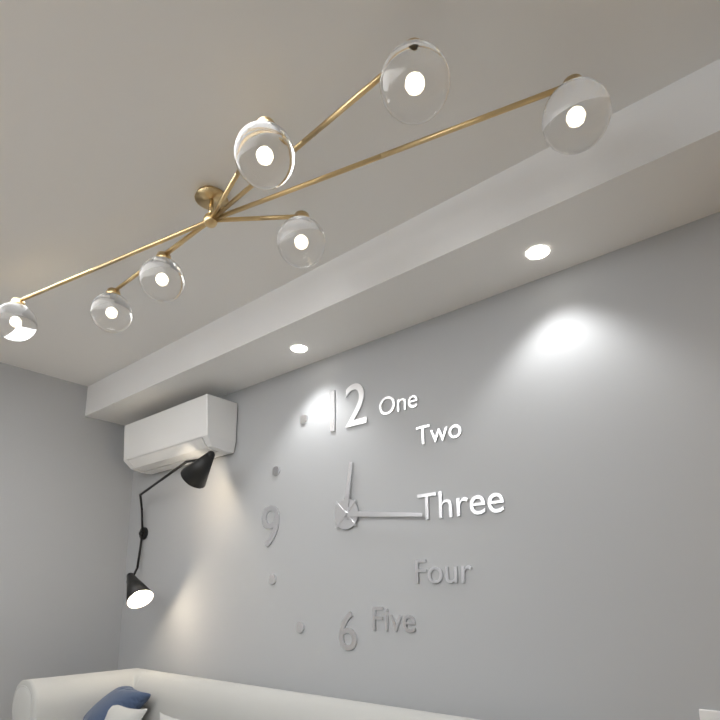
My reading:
12h16
